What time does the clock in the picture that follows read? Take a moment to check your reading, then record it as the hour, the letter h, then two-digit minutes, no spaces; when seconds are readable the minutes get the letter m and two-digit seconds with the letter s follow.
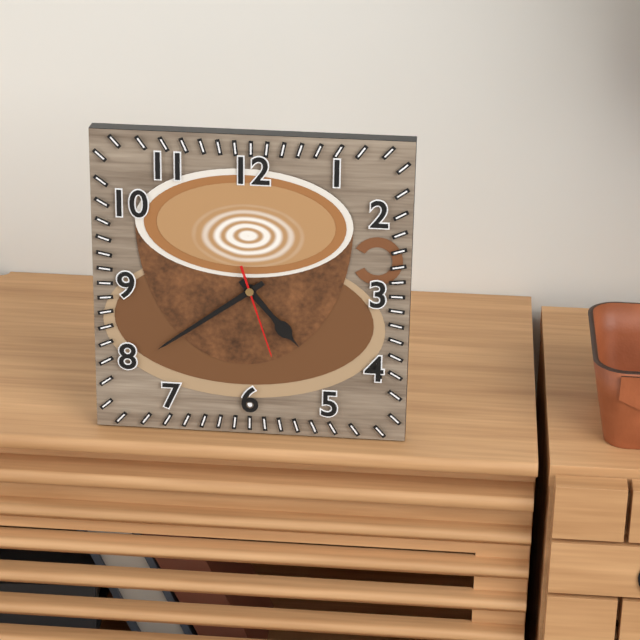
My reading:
4h39m27s
